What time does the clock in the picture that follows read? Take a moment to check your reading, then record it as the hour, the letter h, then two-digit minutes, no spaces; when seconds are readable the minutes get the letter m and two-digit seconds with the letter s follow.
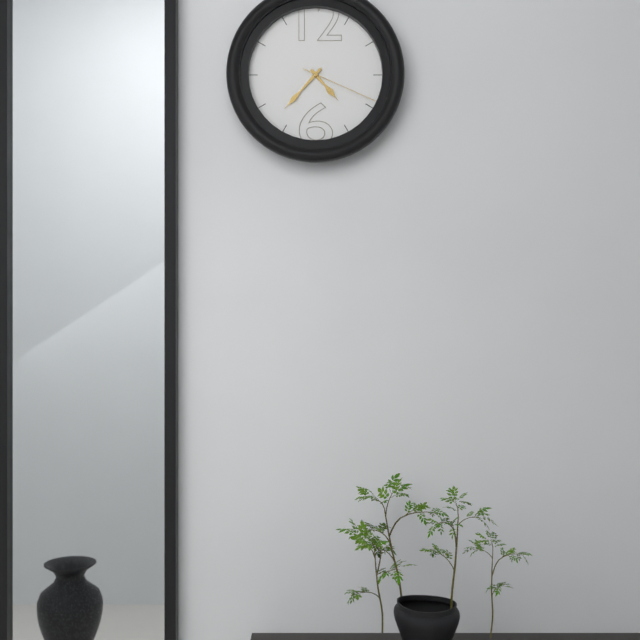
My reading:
4h37m19s
